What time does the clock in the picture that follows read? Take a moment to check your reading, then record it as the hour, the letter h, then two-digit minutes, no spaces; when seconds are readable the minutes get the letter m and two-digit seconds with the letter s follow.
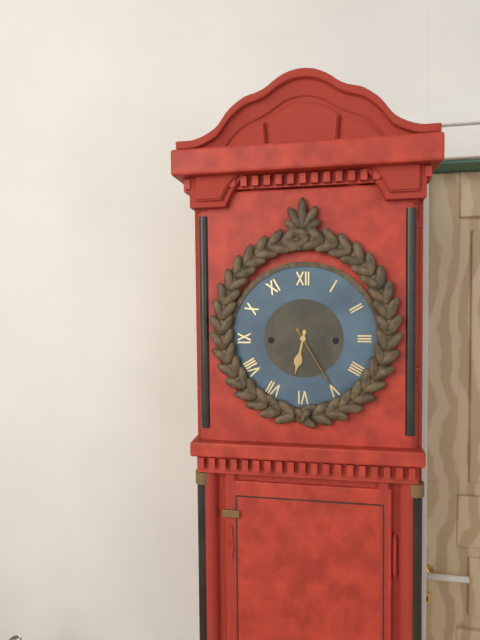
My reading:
6h25
